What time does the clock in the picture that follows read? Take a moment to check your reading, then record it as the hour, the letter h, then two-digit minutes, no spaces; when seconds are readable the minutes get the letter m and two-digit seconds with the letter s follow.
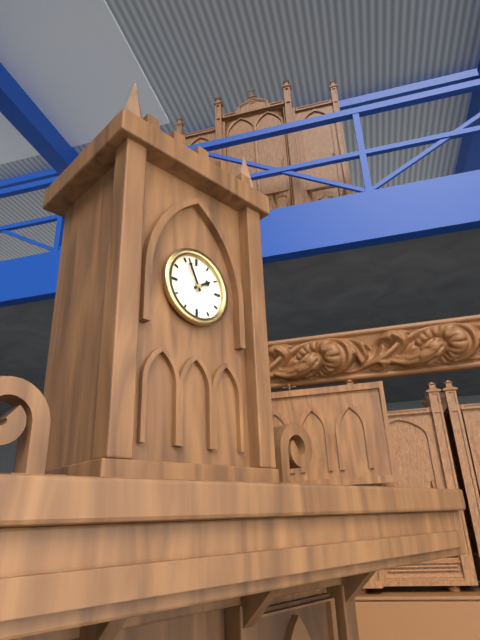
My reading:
1h56
